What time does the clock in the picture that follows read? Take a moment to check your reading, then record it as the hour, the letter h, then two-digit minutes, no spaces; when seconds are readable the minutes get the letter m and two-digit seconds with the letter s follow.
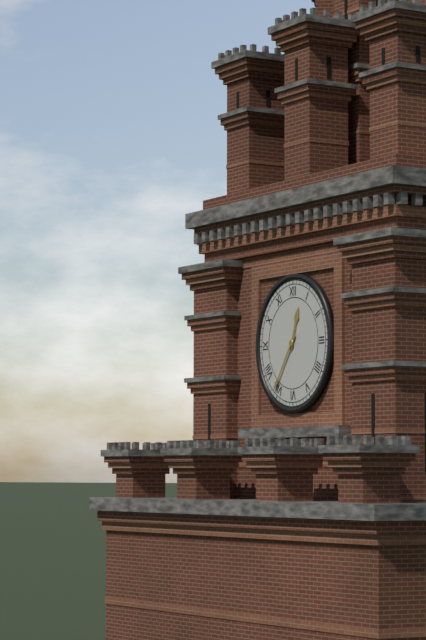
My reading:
12h36
